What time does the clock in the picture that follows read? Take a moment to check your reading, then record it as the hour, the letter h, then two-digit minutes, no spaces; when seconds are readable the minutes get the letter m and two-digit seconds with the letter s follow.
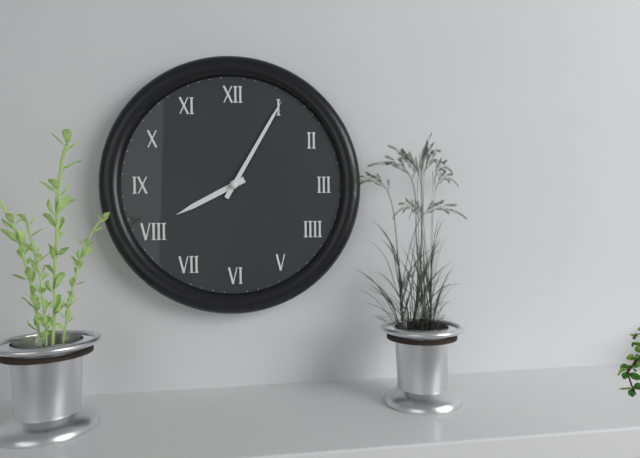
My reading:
8h05
